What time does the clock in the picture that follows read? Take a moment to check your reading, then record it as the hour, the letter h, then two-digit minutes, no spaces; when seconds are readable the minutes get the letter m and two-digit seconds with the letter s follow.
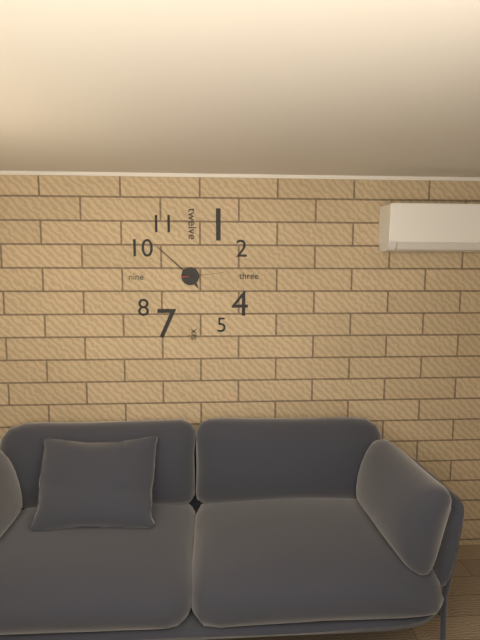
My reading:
4h52
